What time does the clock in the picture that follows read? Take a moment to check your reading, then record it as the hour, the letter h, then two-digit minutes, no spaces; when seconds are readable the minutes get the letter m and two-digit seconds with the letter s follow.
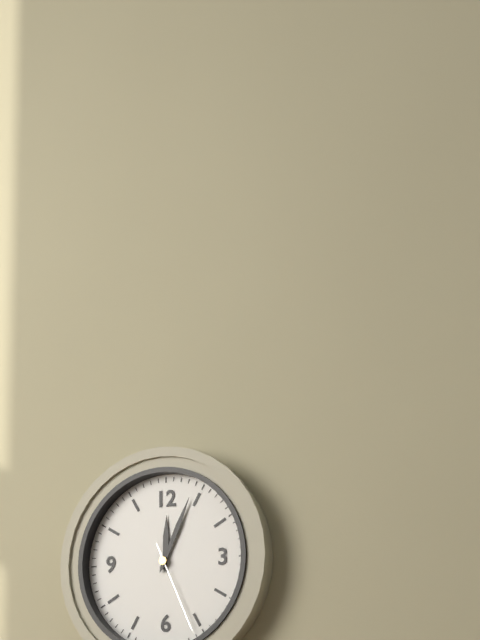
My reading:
12h04m26s
